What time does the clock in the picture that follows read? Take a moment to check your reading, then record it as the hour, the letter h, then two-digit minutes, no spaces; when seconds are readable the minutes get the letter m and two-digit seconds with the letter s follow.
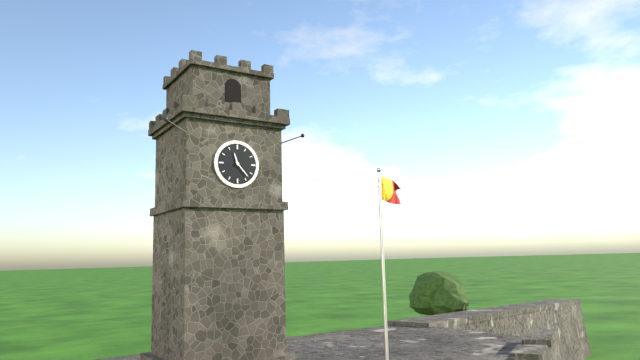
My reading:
11h23
